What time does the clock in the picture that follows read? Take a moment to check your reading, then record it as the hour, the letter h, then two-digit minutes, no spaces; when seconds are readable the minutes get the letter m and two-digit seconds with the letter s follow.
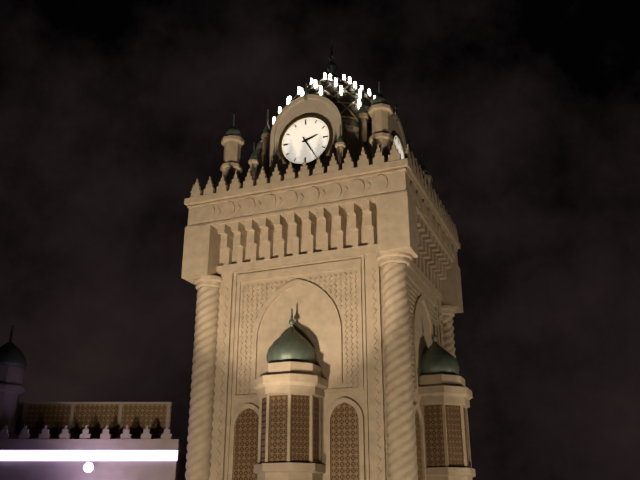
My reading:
2h25
